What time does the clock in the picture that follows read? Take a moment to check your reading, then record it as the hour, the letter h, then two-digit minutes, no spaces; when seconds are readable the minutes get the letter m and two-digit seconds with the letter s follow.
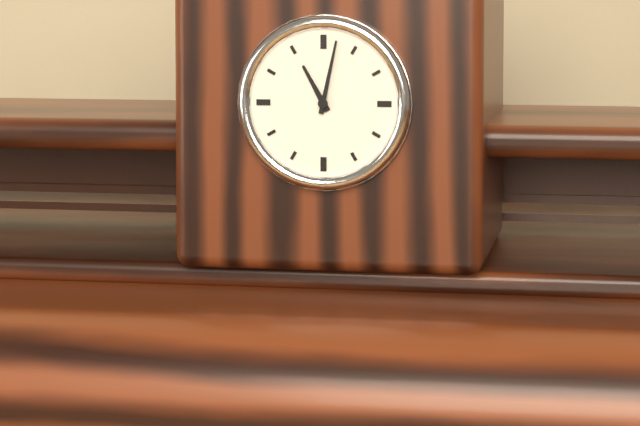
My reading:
11h02
